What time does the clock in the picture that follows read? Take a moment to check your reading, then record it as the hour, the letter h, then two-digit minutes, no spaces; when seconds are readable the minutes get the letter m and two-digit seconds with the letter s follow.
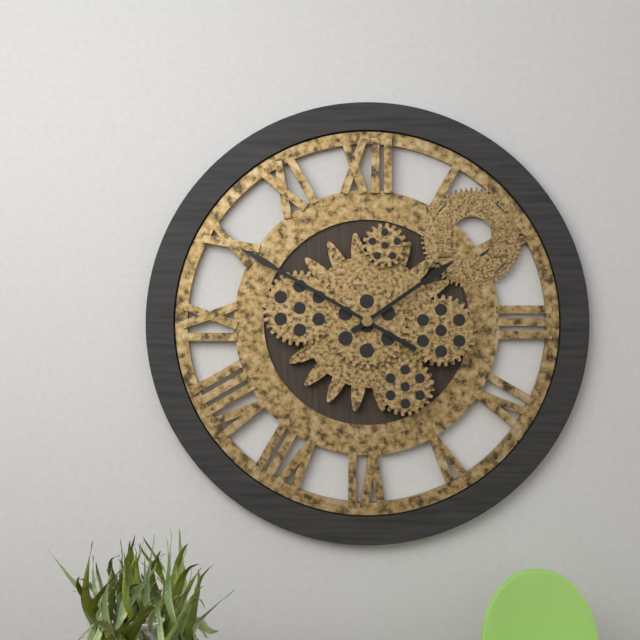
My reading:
1h50
